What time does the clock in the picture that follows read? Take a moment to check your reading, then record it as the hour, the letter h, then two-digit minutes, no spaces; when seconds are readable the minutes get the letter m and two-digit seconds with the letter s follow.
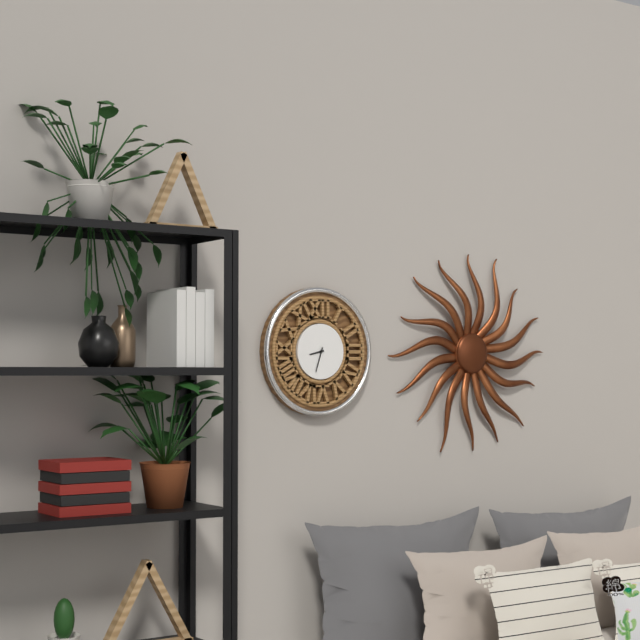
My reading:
8h33
